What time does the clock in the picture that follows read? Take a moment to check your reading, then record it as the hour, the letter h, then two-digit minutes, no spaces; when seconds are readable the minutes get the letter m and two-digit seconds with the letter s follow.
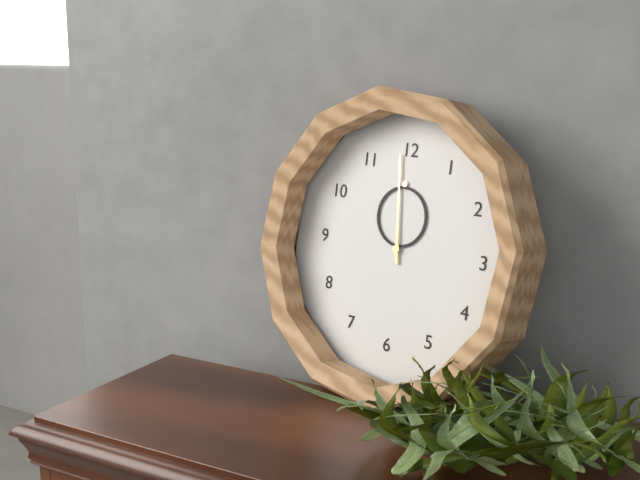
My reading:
11h59
